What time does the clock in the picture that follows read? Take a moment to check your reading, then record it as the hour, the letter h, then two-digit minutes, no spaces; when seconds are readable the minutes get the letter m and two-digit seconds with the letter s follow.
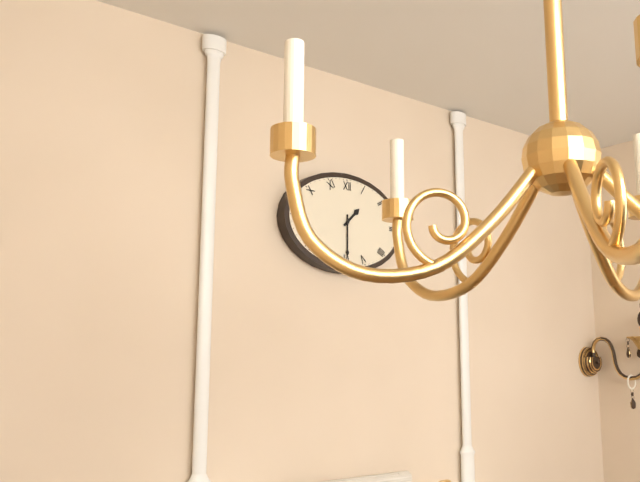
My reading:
1h30
